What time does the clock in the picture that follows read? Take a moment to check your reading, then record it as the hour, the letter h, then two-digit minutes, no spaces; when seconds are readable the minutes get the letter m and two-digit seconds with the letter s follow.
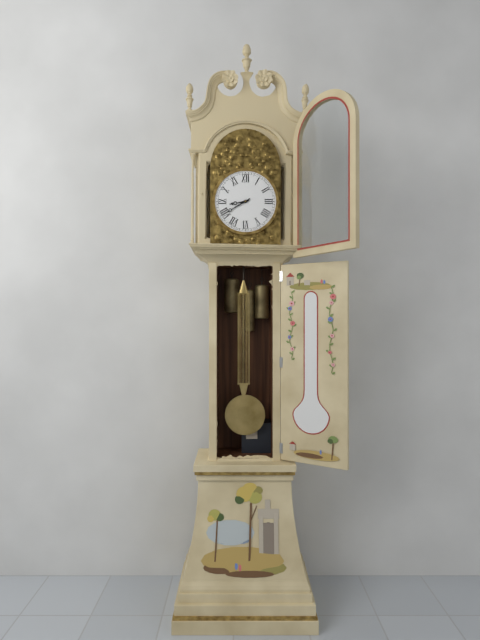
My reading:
8h40
